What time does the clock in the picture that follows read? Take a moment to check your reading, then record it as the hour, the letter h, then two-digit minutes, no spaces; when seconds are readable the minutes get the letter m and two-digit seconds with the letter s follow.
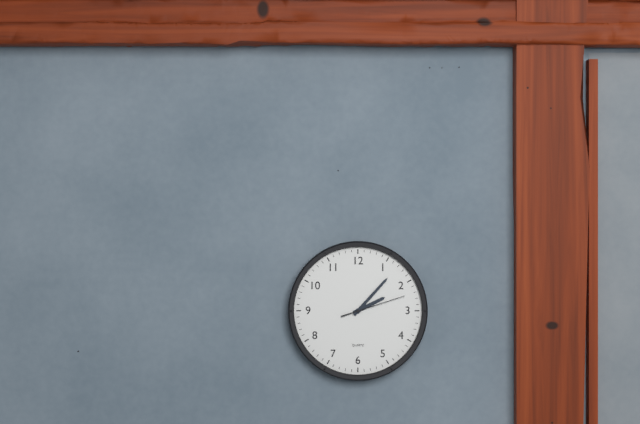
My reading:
2h07m12s
